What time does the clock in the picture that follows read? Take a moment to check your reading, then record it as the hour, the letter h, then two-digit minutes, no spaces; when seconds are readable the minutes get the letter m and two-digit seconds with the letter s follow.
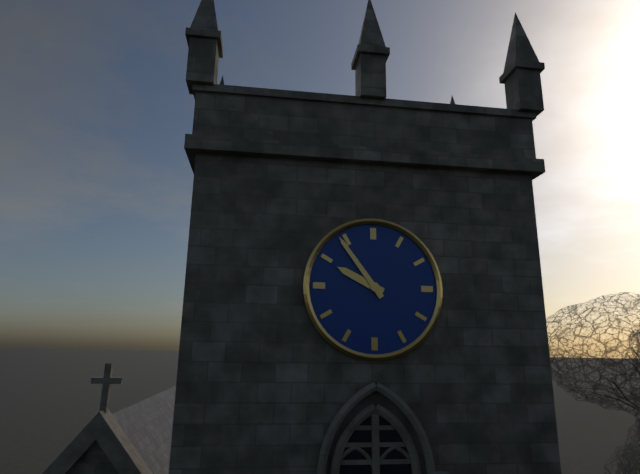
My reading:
9h54
